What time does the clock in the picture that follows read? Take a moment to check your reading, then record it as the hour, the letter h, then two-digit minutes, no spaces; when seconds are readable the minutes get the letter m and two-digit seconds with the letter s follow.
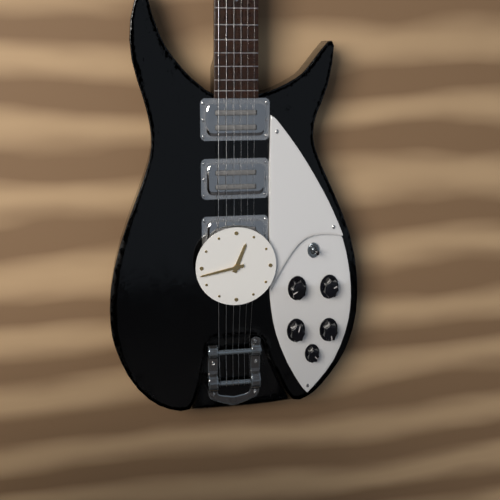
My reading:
12h43
